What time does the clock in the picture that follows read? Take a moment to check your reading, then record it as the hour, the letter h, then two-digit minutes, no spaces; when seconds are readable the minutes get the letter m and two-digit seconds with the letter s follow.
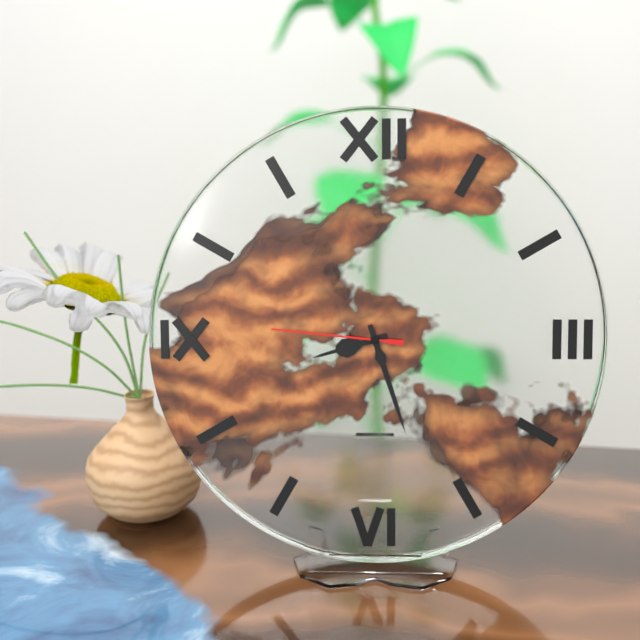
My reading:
8h27m46s
